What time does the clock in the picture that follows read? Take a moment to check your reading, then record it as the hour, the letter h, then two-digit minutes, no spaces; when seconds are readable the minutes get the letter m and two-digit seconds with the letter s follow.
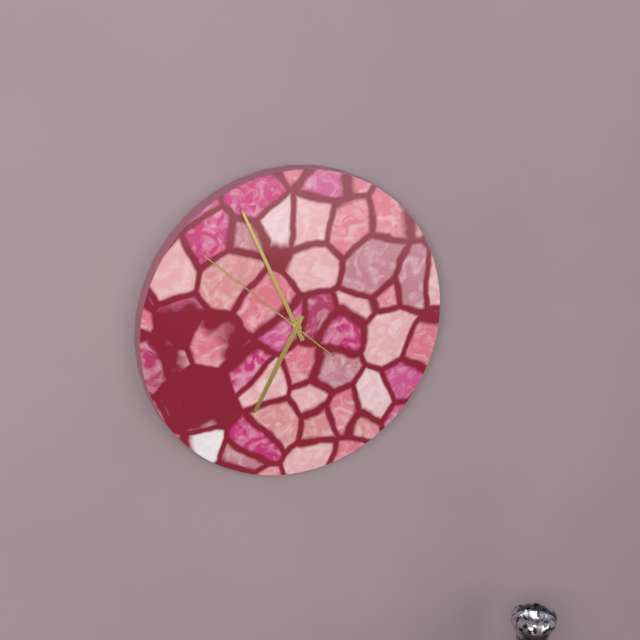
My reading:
6h56m52s
